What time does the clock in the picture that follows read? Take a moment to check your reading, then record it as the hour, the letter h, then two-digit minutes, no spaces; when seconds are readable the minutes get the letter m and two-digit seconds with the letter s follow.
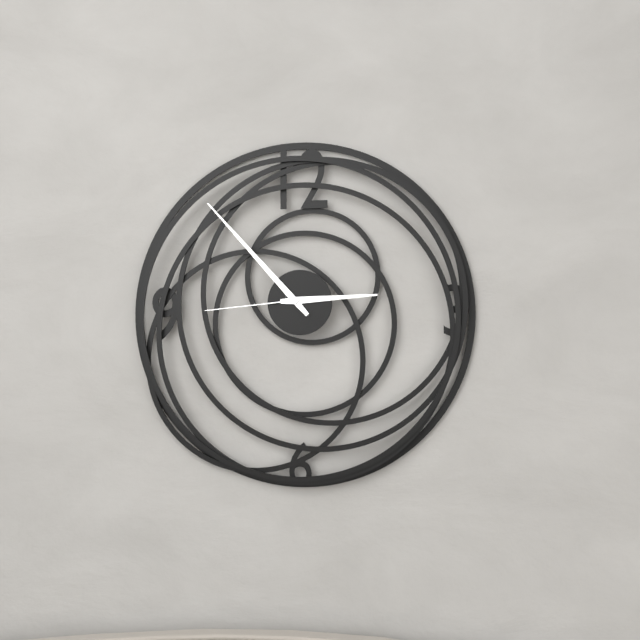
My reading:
2h53m44s
